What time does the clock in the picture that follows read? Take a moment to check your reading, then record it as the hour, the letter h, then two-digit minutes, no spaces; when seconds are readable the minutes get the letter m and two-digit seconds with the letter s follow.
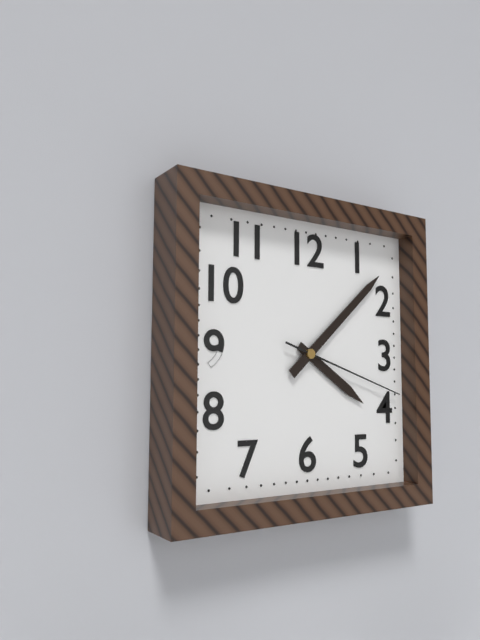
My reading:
4h08m18s
